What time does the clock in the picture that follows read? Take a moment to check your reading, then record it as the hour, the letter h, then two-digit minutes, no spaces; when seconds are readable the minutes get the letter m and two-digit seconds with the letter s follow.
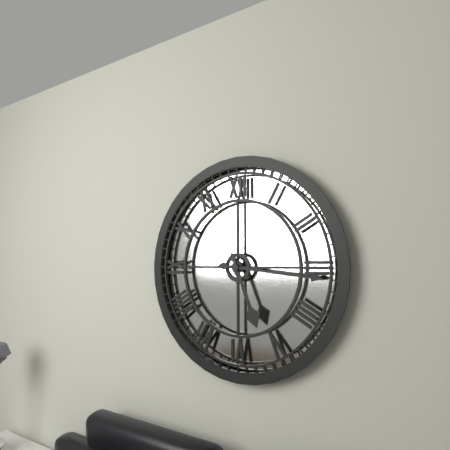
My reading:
5h16
